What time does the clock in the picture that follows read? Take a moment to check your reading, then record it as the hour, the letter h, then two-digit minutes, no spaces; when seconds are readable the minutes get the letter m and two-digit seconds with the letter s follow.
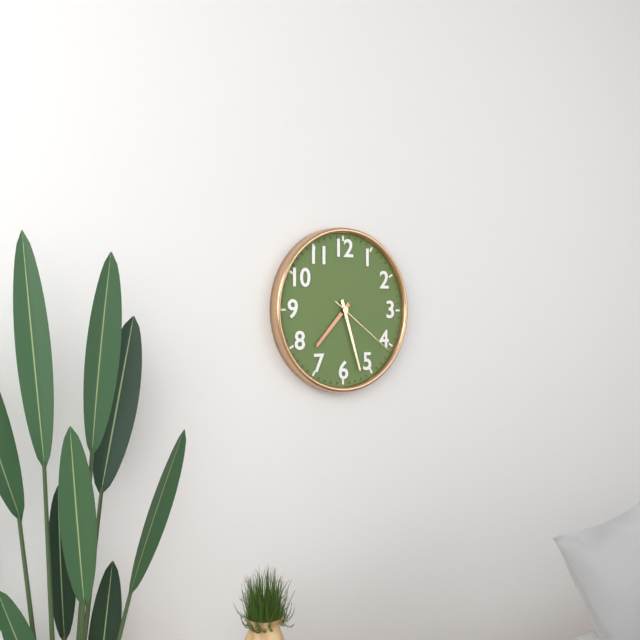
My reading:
7h27m21s
